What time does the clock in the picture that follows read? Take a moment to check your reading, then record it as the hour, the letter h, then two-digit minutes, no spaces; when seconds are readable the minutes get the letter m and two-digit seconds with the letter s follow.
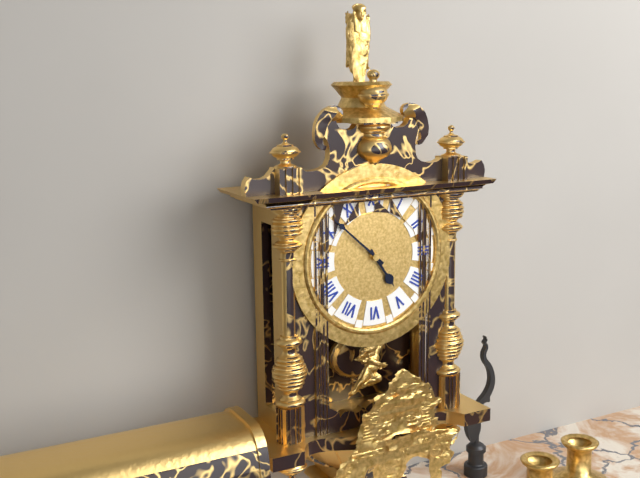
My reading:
4h52
